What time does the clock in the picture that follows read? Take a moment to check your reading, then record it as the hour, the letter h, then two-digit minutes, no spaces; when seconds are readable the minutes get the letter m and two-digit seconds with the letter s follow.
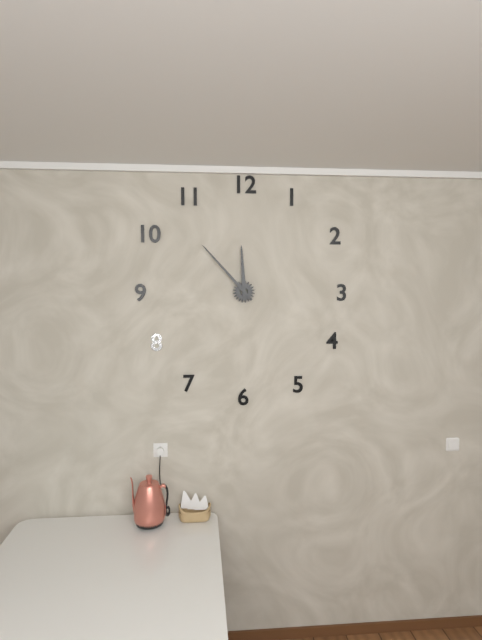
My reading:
11h53
